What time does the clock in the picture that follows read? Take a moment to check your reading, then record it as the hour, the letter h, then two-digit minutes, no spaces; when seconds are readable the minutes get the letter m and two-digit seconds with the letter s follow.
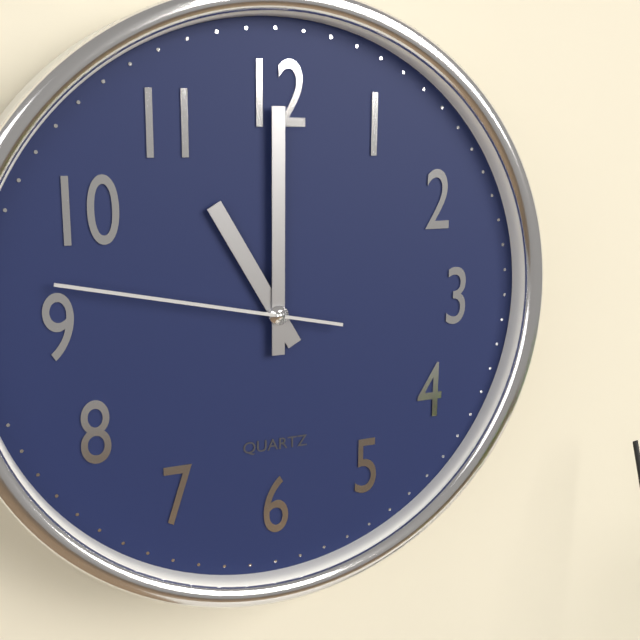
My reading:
11h00m47s
